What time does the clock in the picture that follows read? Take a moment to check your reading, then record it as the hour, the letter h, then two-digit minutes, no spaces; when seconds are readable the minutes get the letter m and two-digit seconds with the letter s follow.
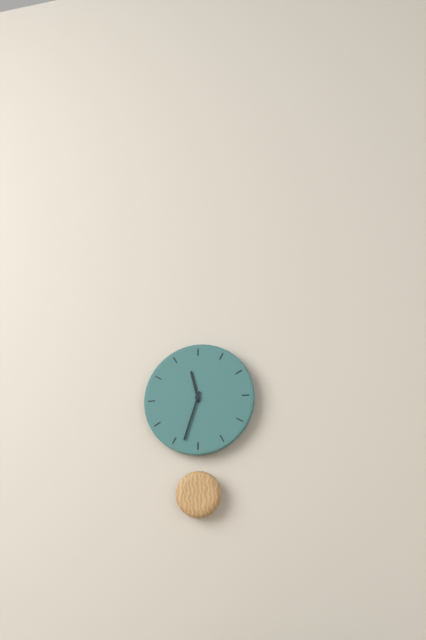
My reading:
11h33
